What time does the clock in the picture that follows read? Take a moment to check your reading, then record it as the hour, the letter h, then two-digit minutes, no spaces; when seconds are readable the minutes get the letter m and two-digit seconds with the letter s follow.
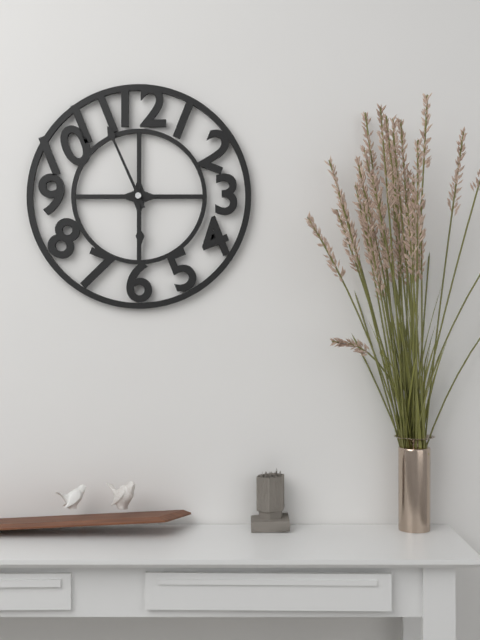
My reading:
5h56
